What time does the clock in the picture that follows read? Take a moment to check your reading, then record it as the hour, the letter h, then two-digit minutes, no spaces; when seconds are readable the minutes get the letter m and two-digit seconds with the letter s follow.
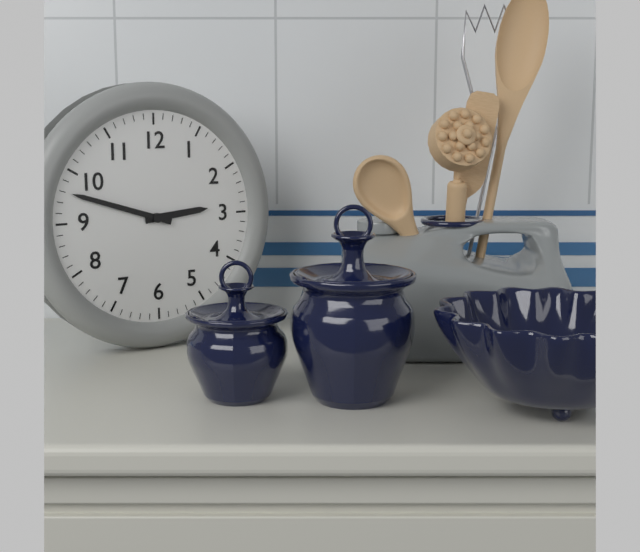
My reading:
2h48
